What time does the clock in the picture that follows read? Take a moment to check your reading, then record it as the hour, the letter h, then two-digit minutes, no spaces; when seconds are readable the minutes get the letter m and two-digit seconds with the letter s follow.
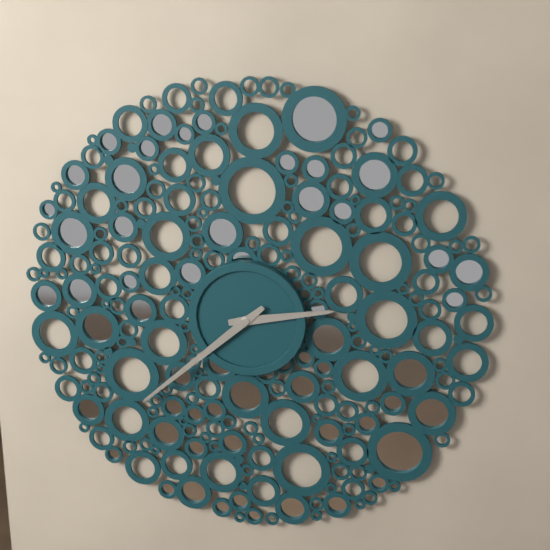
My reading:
2h38
